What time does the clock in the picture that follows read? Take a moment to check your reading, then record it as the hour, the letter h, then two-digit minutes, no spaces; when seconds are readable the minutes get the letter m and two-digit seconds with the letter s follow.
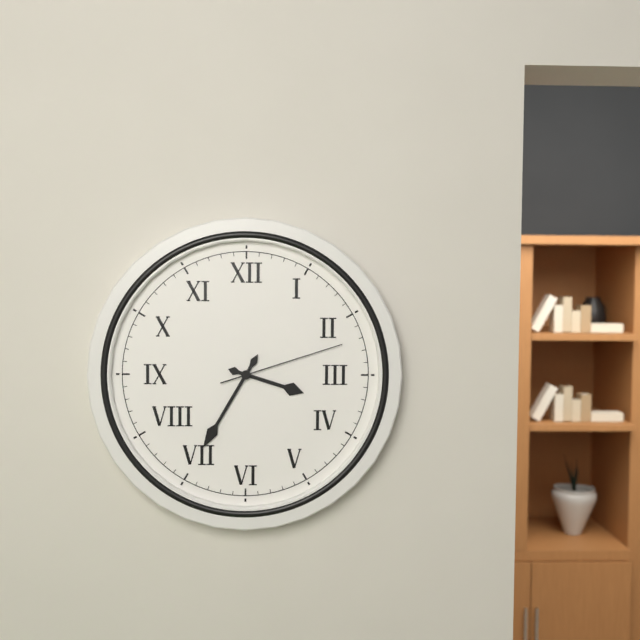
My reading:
3h35m12s
